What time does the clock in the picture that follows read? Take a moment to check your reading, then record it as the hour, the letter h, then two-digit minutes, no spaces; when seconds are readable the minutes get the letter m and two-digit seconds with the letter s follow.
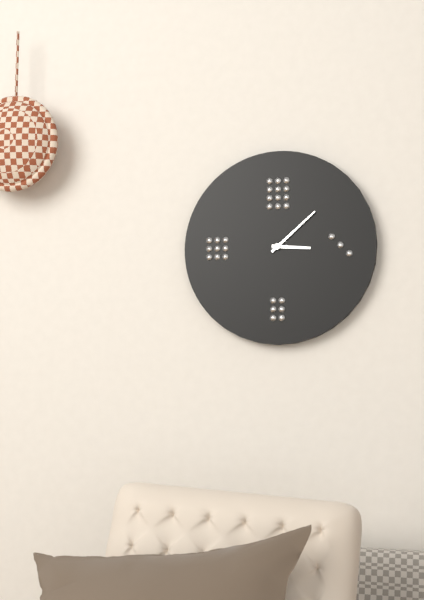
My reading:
3h08
